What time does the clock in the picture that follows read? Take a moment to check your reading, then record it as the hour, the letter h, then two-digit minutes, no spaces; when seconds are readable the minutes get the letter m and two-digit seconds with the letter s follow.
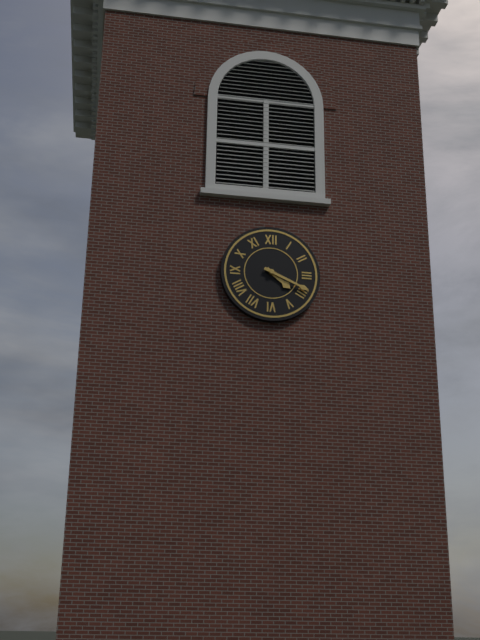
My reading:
4h19
